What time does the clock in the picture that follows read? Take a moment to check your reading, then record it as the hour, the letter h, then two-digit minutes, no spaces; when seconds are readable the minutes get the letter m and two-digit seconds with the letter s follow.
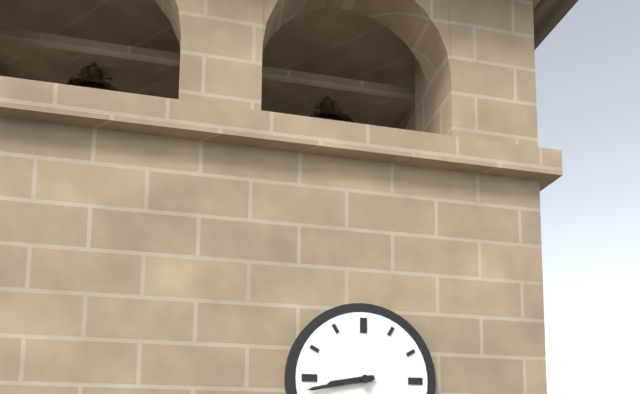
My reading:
8h43
